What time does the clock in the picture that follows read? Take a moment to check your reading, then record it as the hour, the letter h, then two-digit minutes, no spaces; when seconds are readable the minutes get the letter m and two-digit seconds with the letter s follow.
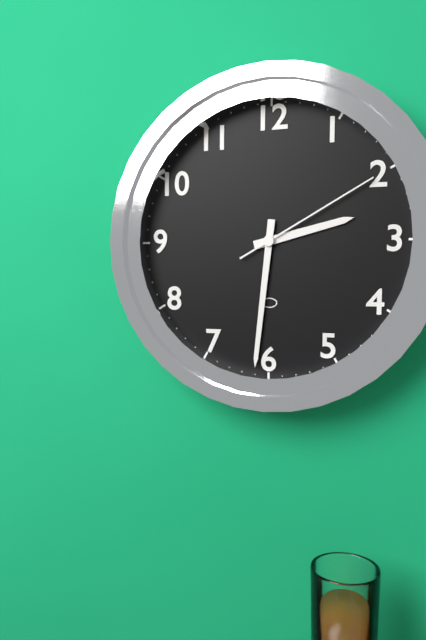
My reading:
2h31m10s
